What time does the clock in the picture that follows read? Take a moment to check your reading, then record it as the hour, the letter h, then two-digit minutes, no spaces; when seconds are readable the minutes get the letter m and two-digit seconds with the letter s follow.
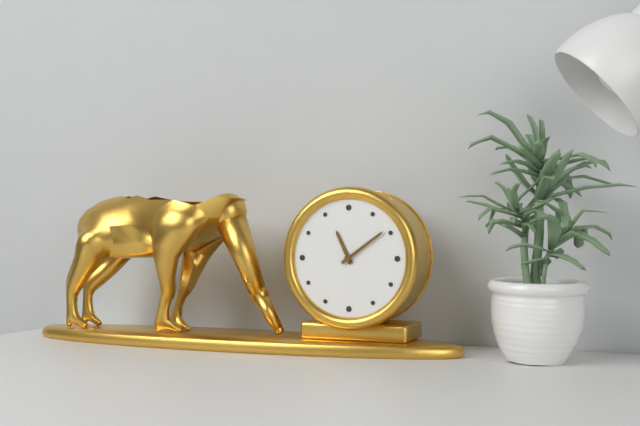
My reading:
11h09
